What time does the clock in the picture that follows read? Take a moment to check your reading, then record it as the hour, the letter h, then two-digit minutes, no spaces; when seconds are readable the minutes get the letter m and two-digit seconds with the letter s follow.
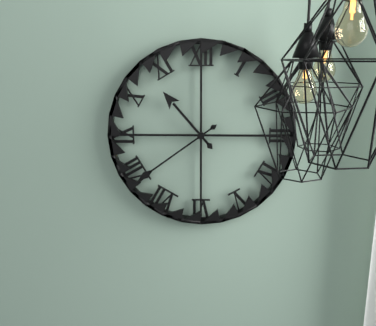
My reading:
10h39
